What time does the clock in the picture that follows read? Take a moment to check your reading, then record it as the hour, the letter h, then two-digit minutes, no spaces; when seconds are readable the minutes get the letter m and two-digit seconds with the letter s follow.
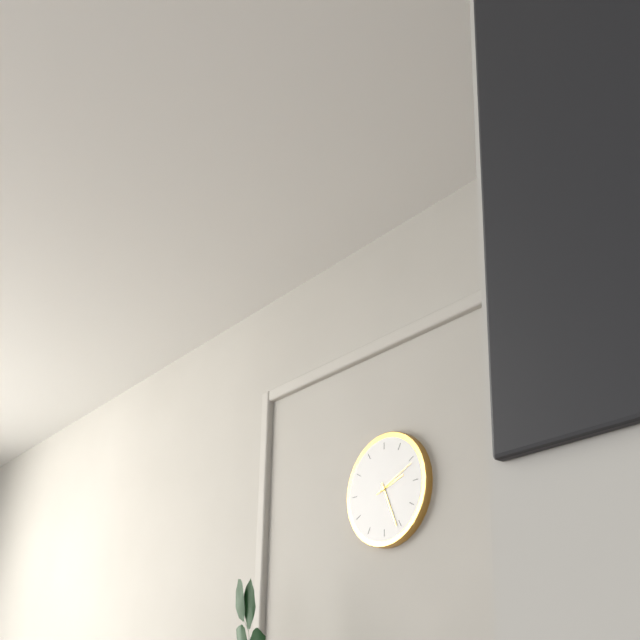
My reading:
2h26
